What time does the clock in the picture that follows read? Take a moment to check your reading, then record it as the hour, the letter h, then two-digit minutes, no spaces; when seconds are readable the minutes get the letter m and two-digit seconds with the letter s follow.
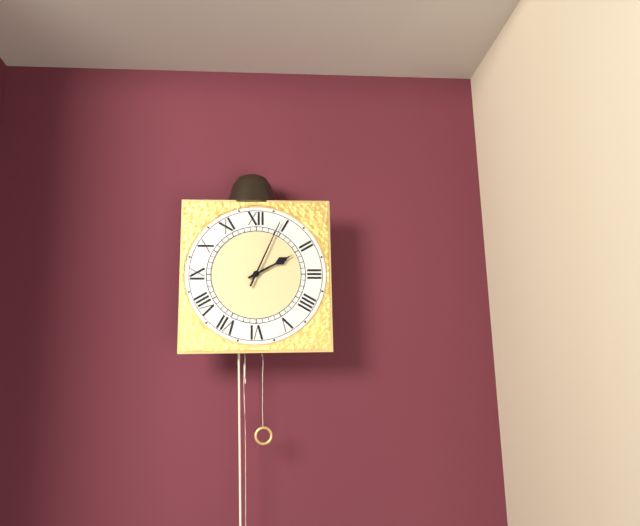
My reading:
2h04
